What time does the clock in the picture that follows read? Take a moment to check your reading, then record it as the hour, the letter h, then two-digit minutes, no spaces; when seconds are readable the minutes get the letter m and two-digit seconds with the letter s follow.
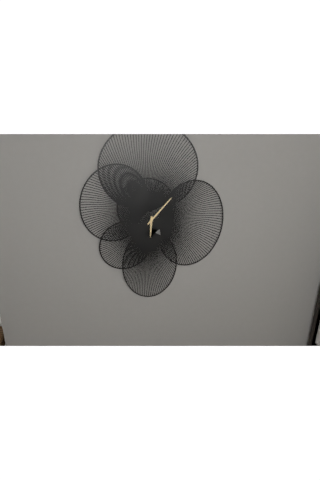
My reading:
6h07
